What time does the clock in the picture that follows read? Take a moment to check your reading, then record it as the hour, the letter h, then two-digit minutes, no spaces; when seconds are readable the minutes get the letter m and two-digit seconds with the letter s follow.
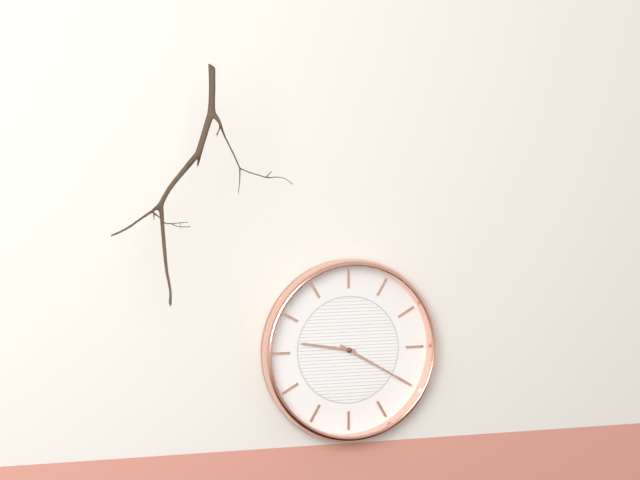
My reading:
9h20
